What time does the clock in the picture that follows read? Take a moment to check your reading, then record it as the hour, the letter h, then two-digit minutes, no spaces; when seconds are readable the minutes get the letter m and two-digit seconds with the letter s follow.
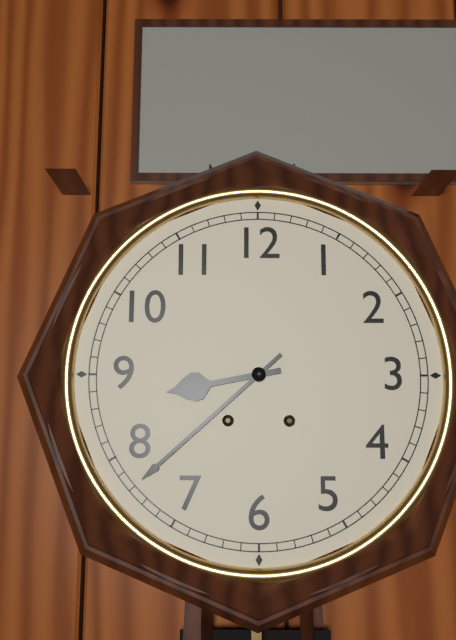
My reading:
8h38
